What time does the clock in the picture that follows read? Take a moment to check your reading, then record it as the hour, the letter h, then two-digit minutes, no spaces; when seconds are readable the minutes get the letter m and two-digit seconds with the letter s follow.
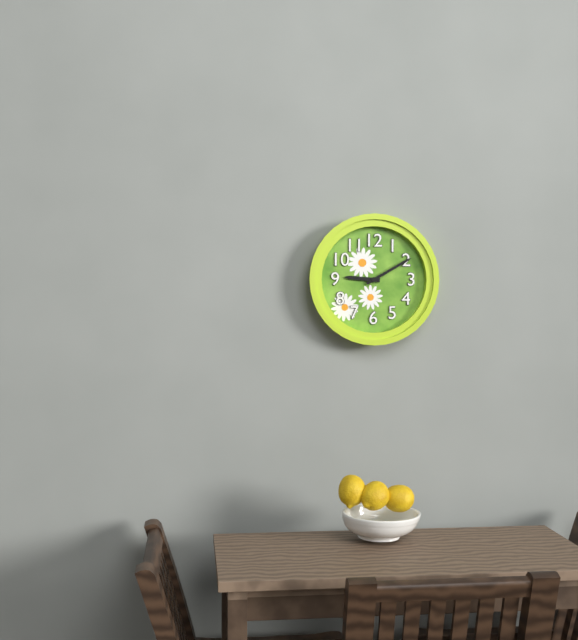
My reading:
9h10
